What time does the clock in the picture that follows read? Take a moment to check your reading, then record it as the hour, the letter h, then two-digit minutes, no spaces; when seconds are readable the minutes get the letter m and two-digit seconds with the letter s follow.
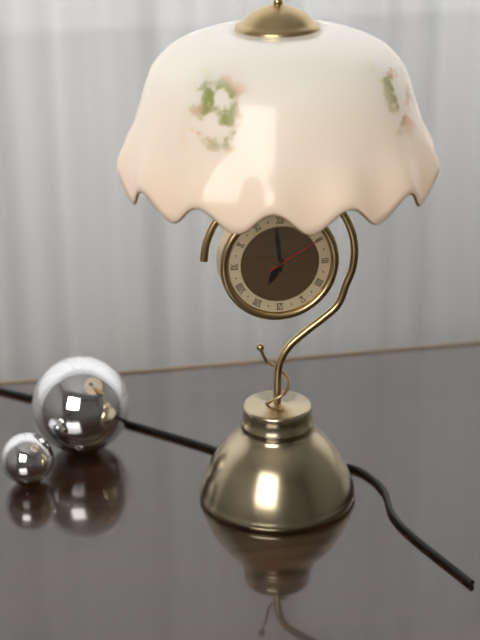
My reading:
6h59m10s
